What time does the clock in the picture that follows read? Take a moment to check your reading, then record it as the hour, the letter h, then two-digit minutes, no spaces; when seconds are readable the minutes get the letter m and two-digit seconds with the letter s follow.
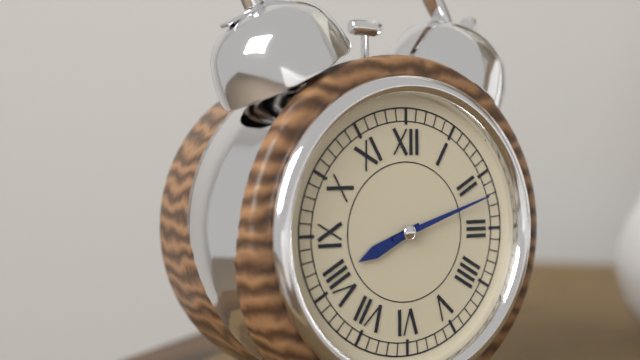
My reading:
8h12
